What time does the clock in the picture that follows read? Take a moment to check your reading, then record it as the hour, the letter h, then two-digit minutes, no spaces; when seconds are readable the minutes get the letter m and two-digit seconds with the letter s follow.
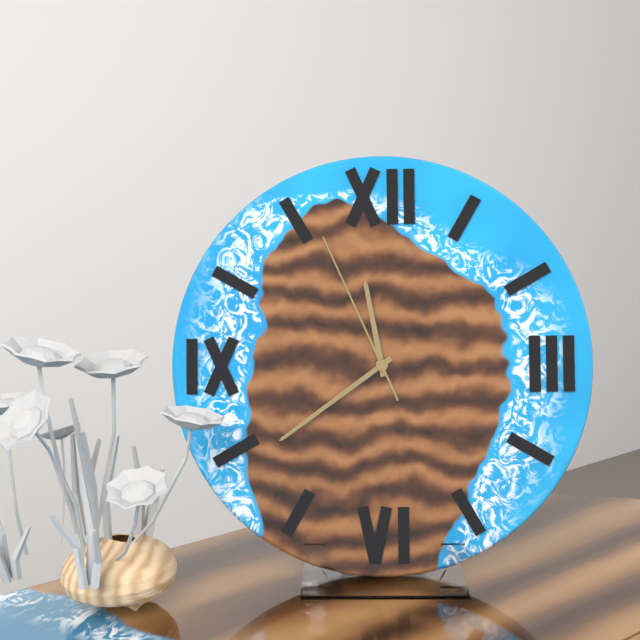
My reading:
11h39m56s
